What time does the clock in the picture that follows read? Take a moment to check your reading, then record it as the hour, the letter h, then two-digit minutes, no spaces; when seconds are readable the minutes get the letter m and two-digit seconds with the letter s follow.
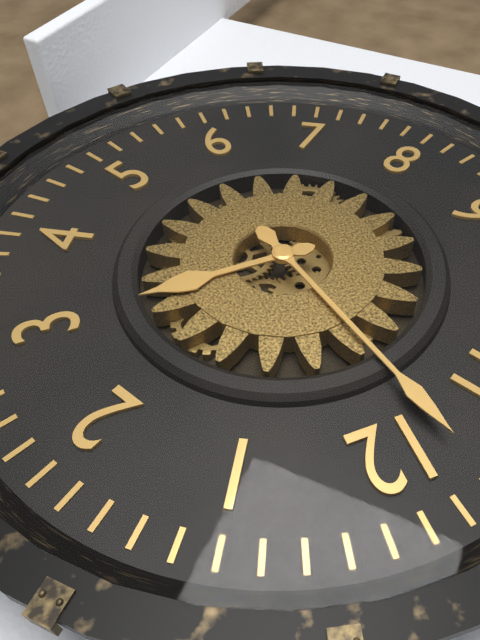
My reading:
2h58
